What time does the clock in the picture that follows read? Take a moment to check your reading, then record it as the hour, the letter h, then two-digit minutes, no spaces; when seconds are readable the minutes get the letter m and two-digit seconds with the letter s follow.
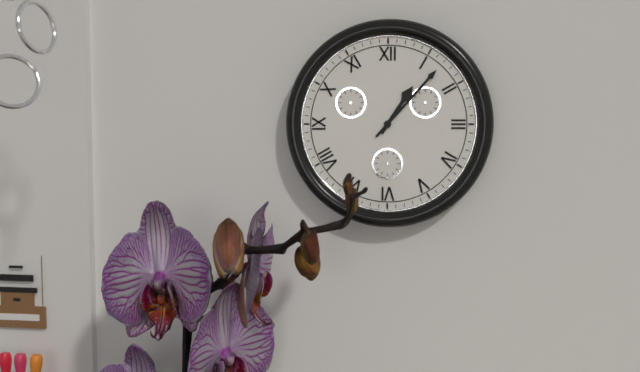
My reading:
1h07
